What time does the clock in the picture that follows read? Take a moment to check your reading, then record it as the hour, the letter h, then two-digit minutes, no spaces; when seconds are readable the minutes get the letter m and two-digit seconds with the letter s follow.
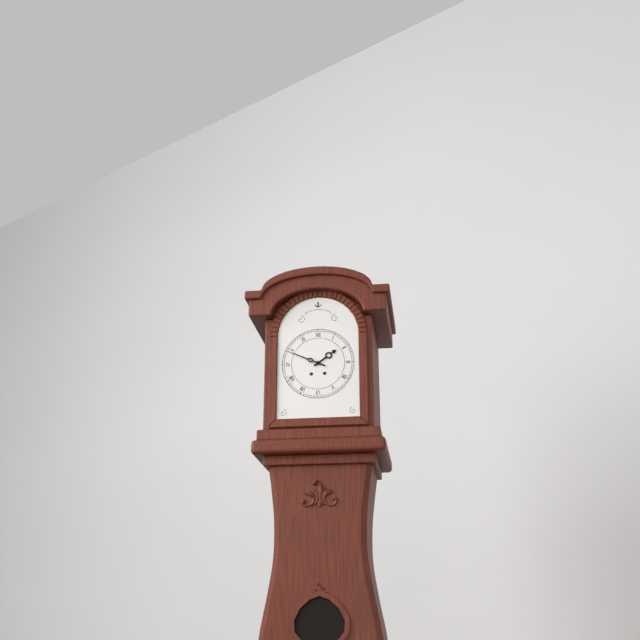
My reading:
1h49
